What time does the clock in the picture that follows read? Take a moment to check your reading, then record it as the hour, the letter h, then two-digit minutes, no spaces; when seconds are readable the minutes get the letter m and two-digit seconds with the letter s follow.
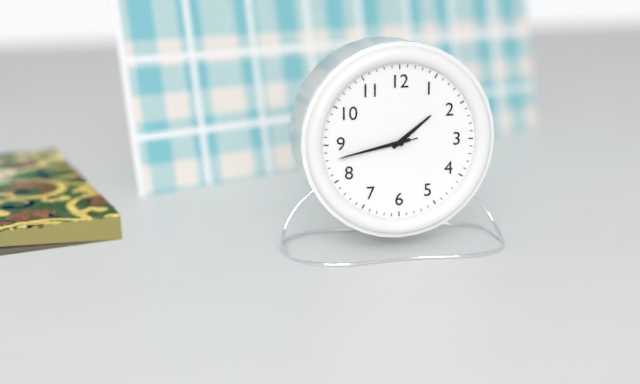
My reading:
1h43m43s
